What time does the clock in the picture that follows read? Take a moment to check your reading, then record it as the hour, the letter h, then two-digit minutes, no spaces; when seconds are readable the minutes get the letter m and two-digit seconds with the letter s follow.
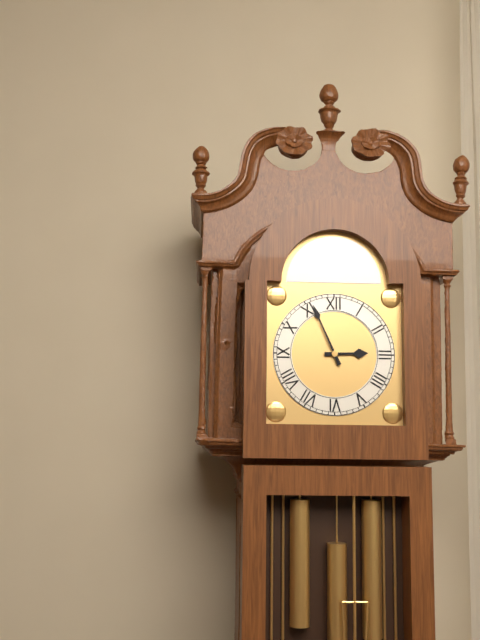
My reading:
2h56
